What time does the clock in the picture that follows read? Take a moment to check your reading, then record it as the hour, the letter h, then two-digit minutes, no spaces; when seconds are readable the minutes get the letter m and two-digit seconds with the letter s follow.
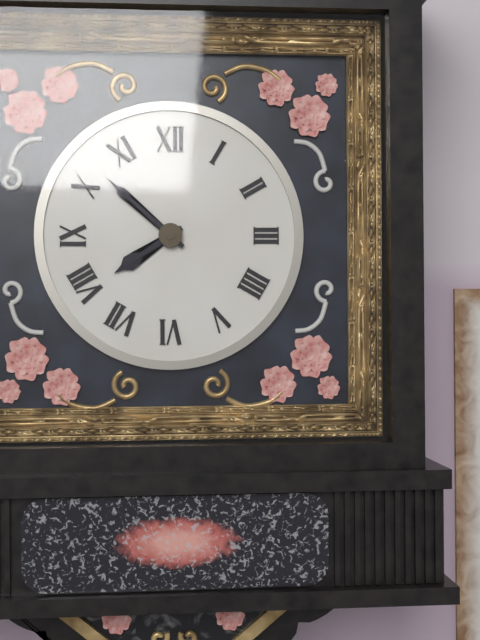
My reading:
7h52
